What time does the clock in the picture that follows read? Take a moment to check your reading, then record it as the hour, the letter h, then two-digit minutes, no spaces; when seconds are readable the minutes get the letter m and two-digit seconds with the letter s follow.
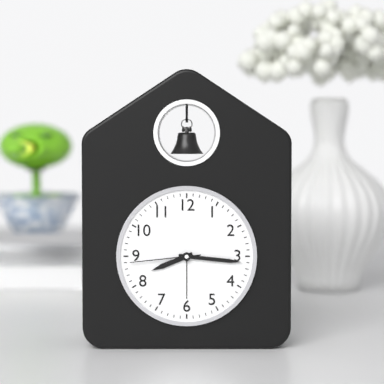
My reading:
8h16m44s
